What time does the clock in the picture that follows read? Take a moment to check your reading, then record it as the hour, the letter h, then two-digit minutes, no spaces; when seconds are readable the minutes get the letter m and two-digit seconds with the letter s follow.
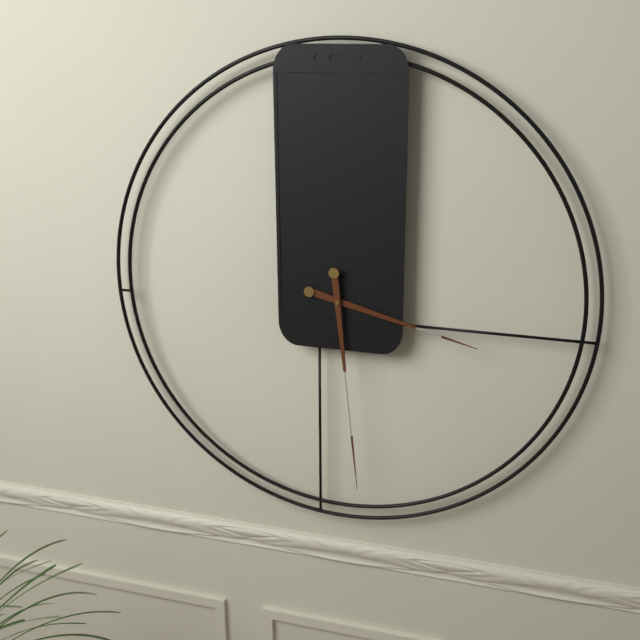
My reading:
3h29
